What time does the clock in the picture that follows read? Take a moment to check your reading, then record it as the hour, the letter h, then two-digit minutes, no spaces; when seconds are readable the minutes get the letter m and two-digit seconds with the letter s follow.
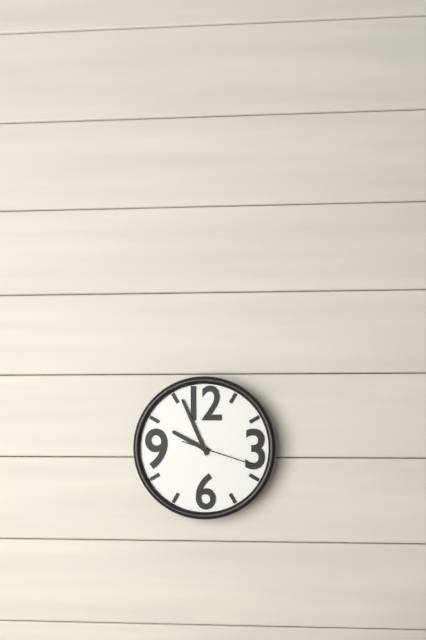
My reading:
9h56m18s
